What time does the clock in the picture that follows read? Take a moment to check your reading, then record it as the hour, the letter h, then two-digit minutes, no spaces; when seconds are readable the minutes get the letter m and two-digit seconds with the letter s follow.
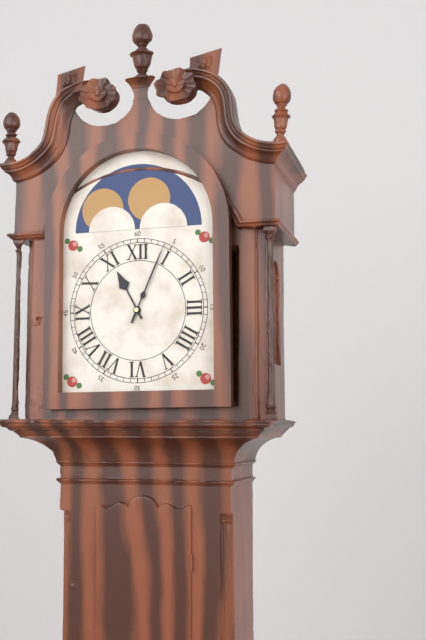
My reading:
11h04
